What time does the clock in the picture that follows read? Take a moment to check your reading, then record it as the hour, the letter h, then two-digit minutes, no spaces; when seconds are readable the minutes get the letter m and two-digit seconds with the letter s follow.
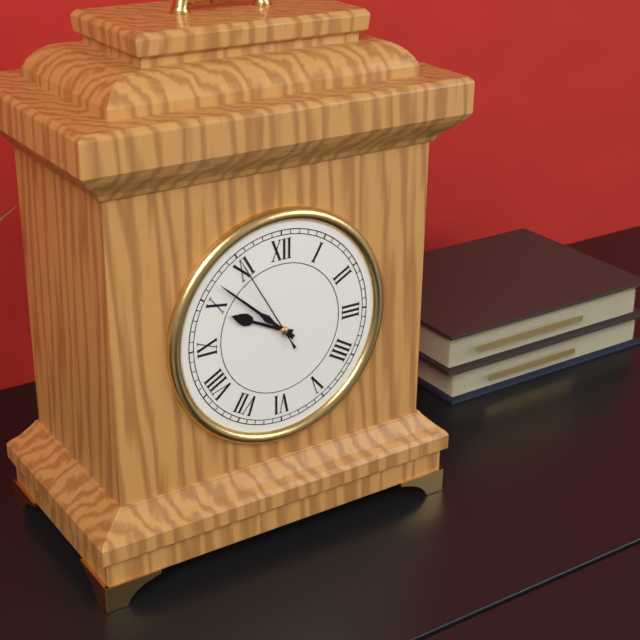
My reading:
9h52m55s
